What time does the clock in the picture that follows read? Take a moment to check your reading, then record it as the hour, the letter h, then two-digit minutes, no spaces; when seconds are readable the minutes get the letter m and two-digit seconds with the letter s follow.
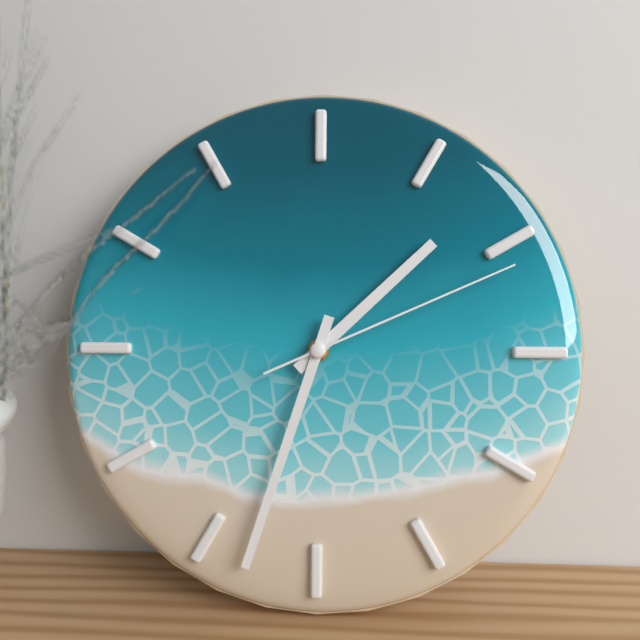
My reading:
1h33m11s
